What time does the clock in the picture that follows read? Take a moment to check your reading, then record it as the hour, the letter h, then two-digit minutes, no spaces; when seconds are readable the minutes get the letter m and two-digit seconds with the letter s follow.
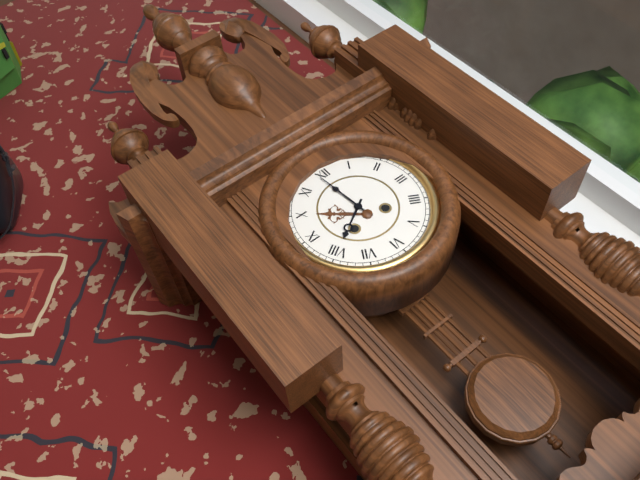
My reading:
7h59
